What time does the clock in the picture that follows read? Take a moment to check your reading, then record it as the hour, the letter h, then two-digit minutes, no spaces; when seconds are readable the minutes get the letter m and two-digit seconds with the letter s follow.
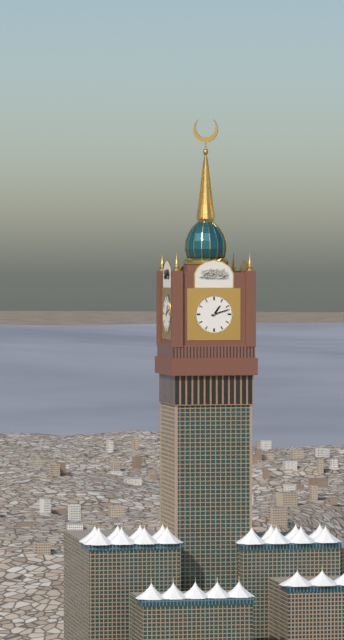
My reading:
1h12
